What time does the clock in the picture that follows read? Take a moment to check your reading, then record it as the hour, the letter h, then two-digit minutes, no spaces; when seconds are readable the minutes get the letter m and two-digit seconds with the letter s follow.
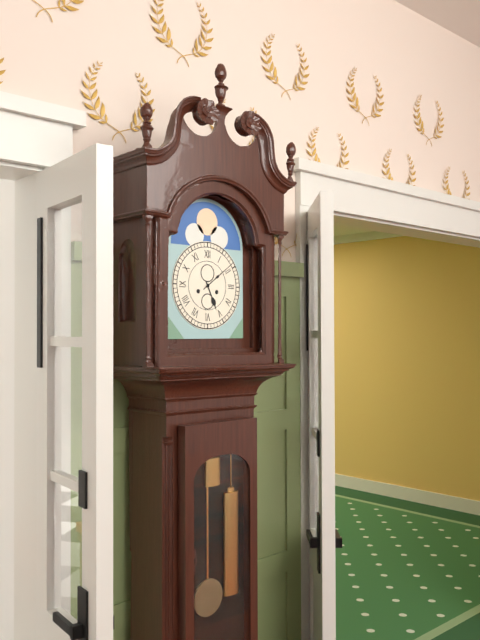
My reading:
5h09
